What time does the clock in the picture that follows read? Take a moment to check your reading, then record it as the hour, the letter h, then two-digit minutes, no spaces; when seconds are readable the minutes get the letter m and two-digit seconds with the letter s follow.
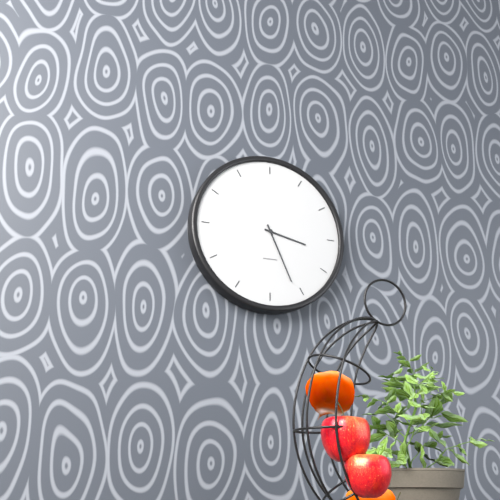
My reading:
3h26
